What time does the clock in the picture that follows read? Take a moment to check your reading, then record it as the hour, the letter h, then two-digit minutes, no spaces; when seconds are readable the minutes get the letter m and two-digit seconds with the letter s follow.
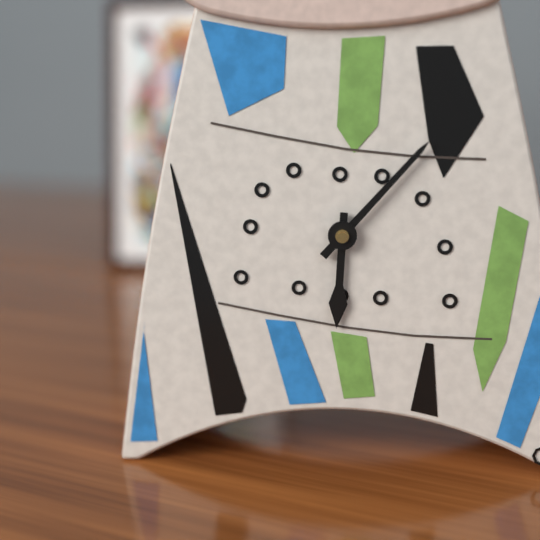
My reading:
6h07
